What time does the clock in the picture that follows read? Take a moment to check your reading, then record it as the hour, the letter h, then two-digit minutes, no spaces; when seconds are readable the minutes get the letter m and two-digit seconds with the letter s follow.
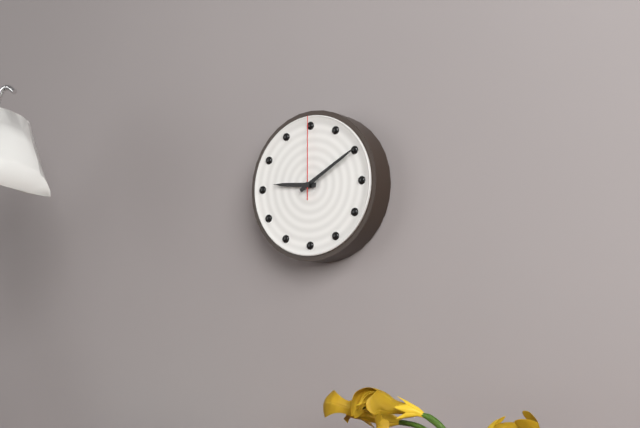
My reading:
9h10m00s
